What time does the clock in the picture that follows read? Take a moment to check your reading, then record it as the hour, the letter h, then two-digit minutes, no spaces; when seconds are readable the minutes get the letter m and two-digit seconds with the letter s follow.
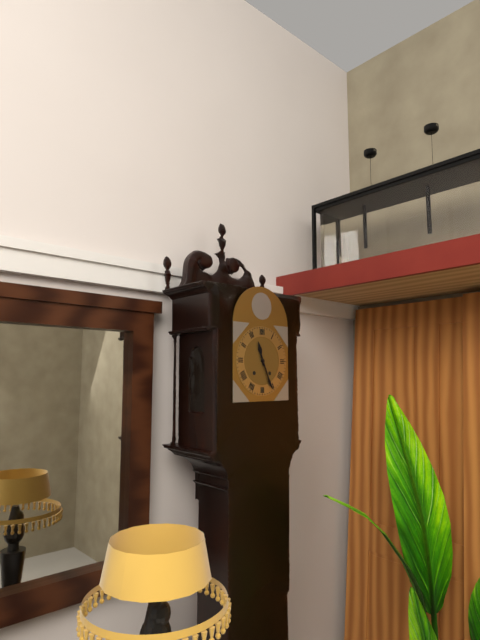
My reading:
11h26
